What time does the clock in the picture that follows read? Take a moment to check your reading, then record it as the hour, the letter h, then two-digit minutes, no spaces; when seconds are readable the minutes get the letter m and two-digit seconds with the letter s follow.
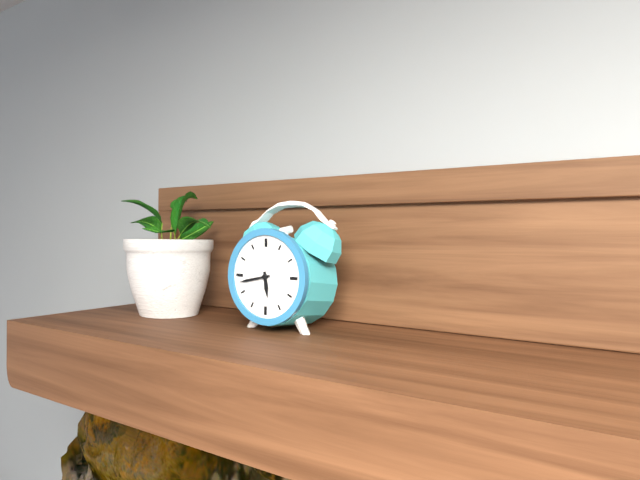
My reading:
5h43
